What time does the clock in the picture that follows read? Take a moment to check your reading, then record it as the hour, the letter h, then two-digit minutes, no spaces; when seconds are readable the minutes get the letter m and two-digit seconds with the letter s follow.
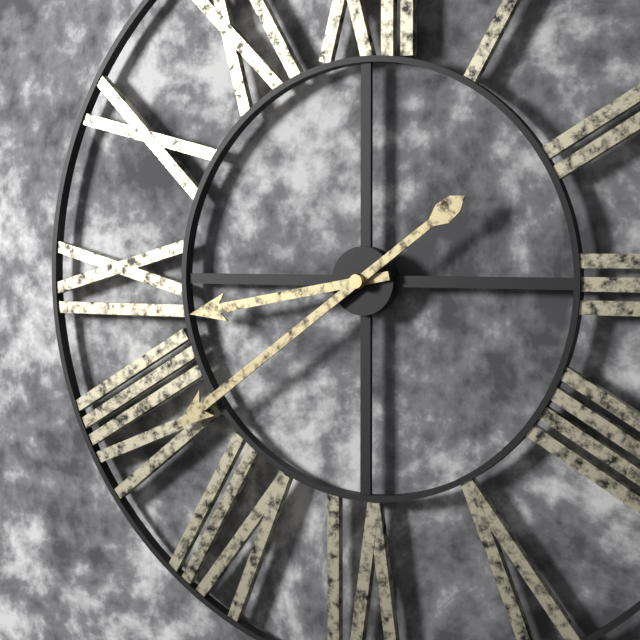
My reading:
8h39
